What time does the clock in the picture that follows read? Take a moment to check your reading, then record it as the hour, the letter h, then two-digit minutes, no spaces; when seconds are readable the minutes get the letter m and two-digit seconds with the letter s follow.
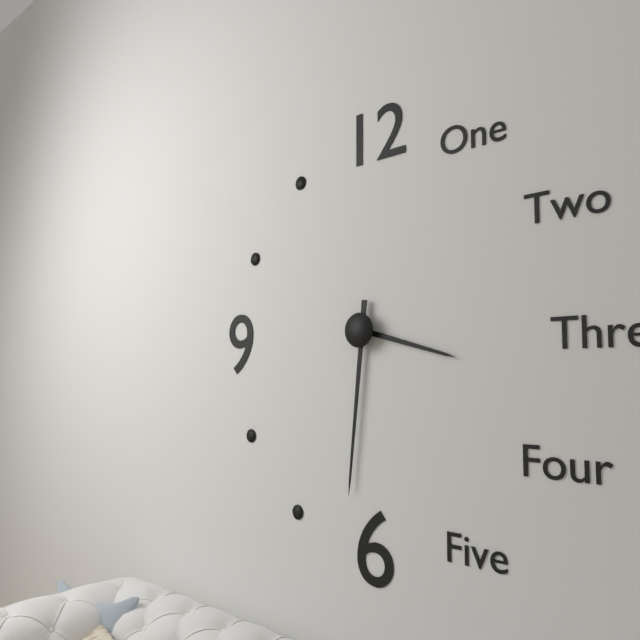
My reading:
3h31
